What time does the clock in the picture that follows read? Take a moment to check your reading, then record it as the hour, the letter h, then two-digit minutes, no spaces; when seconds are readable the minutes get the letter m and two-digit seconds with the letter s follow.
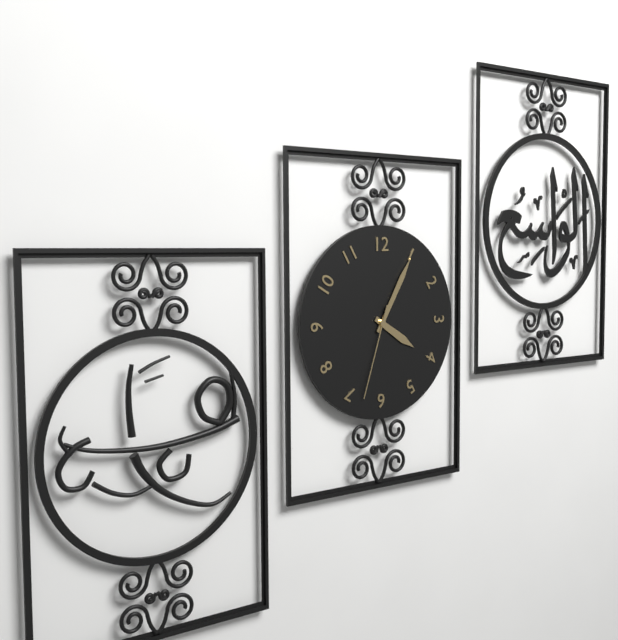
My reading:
4h05m33s
